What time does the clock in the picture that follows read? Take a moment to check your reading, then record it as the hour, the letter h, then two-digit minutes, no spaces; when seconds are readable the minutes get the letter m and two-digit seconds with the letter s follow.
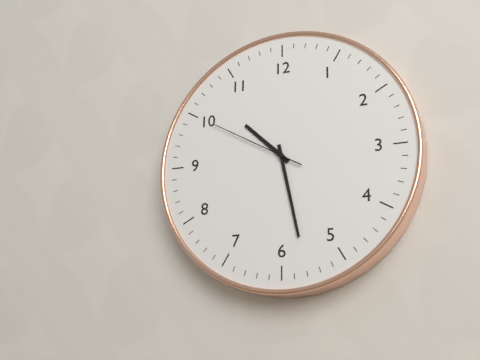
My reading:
10h28m50s
